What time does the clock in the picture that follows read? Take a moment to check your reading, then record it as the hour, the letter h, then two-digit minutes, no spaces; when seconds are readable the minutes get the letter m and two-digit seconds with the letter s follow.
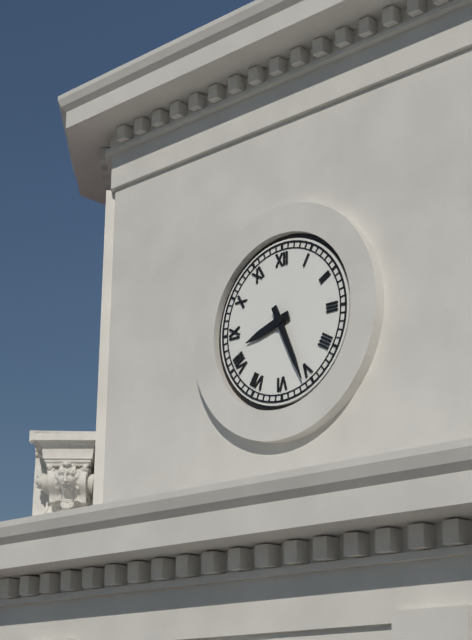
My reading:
8h26
